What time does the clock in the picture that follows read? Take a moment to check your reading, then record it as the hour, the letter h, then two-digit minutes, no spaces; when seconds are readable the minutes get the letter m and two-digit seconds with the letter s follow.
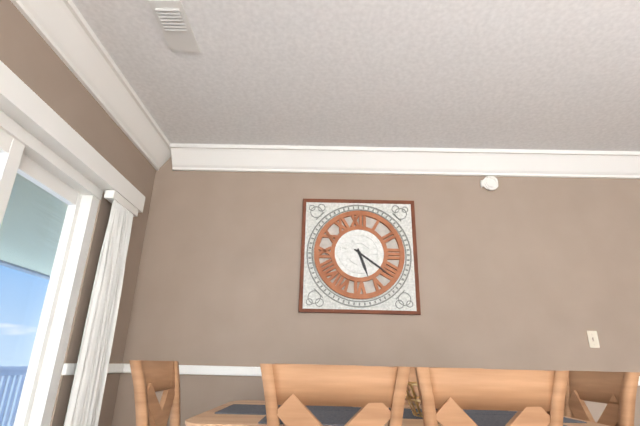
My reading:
5h21
